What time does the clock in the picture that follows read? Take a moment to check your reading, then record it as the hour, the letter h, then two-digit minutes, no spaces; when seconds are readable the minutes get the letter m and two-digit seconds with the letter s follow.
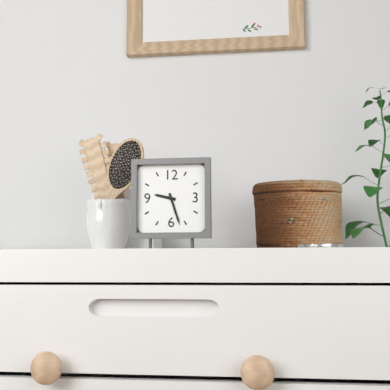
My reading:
9h27
